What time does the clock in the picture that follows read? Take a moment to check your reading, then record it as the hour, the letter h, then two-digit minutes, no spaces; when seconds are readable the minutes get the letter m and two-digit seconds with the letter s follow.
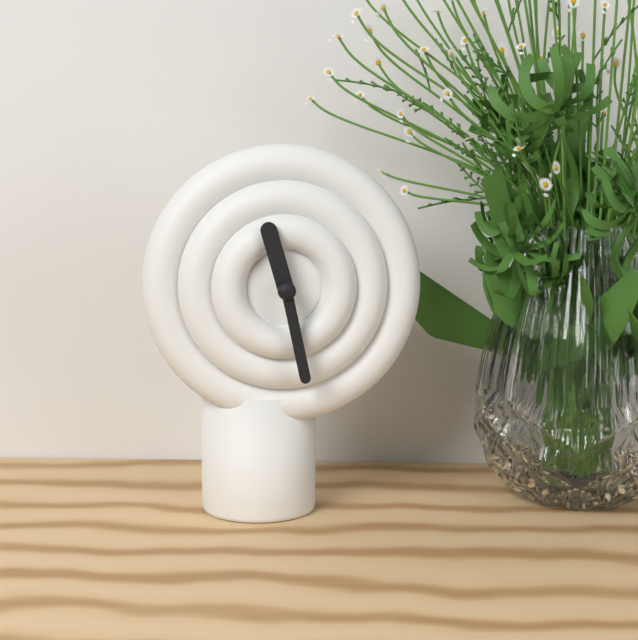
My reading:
11h28
